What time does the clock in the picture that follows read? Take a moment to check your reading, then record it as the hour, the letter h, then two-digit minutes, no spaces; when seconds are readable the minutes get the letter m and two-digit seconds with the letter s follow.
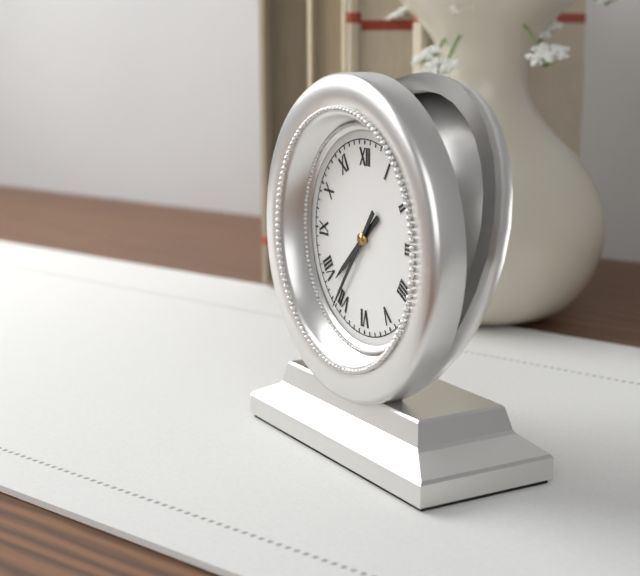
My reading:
7h36
